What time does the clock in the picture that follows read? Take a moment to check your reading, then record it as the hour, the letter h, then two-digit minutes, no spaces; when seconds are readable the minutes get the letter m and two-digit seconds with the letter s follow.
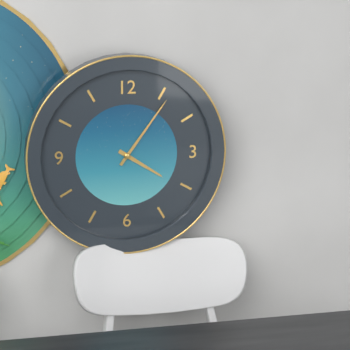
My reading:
4h06
